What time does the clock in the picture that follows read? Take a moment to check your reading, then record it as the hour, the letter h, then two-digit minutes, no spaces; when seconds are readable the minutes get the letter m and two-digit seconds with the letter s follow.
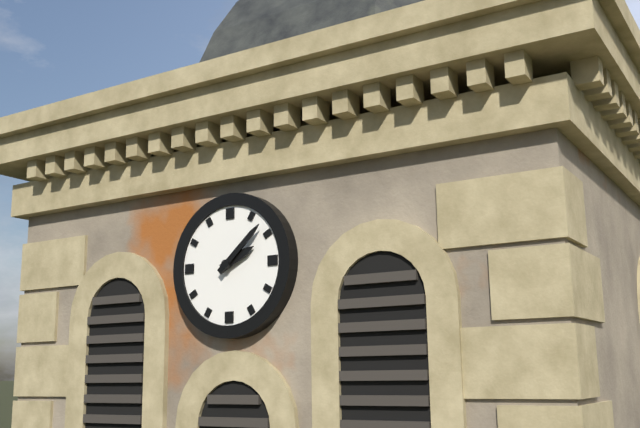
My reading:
2h08
